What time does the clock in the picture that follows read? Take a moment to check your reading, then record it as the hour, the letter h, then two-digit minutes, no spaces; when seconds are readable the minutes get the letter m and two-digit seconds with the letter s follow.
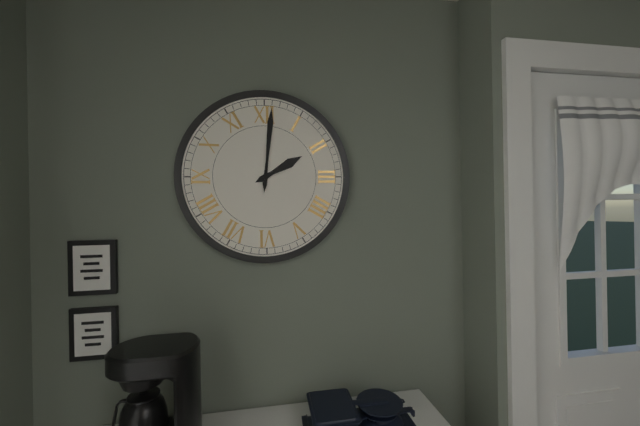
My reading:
2h01
